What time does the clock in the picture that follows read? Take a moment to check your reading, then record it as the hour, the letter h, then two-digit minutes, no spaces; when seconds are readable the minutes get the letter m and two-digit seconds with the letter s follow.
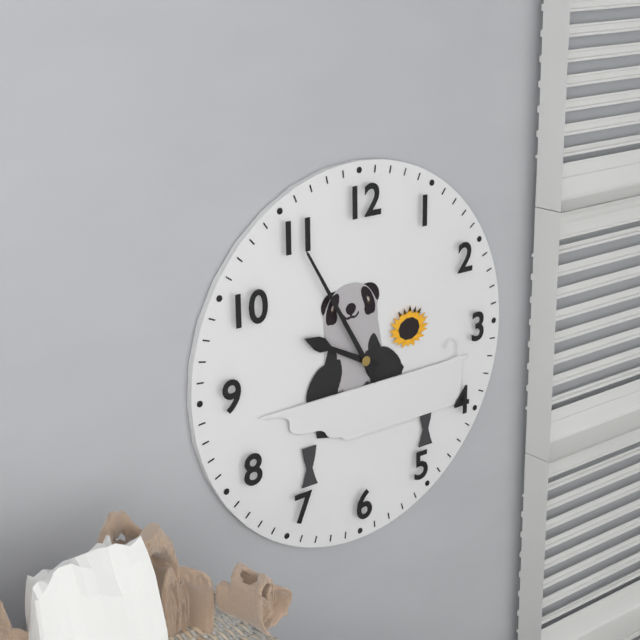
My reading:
9h55
